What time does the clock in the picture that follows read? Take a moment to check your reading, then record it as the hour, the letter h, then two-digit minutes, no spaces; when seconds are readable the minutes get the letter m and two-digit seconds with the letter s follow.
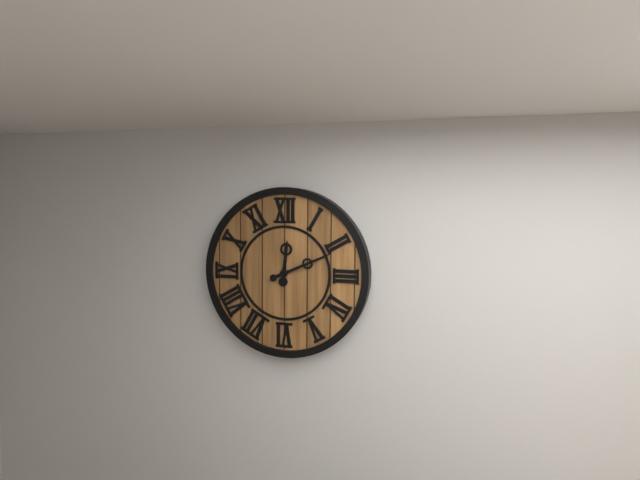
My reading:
12h11
